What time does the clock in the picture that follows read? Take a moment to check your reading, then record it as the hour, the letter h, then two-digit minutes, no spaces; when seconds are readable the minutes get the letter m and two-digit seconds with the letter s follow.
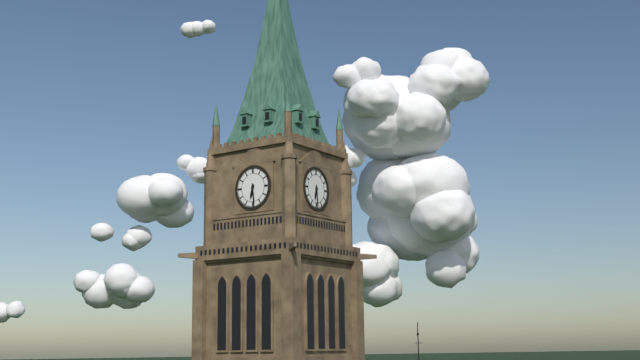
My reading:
6h29
